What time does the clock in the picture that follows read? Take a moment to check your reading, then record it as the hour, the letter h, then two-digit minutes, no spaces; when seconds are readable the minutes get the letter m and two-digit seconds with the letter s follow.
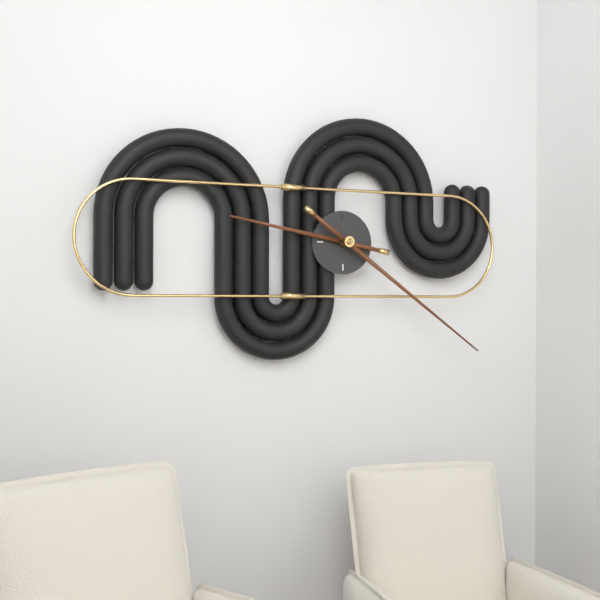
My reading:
9h21
